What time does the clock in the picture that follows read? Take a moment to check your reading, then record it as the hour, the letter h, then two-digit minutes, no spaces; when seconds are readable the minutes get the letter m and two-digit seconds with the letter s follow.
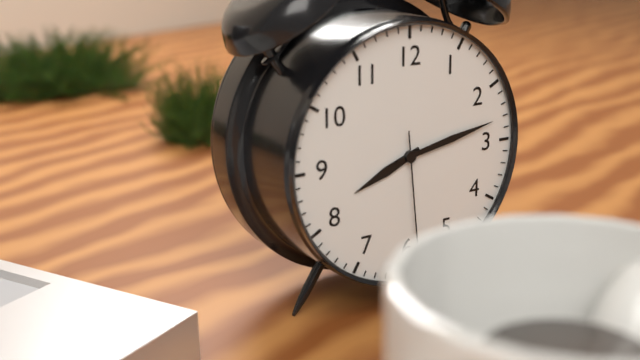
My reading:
8h13m29s
